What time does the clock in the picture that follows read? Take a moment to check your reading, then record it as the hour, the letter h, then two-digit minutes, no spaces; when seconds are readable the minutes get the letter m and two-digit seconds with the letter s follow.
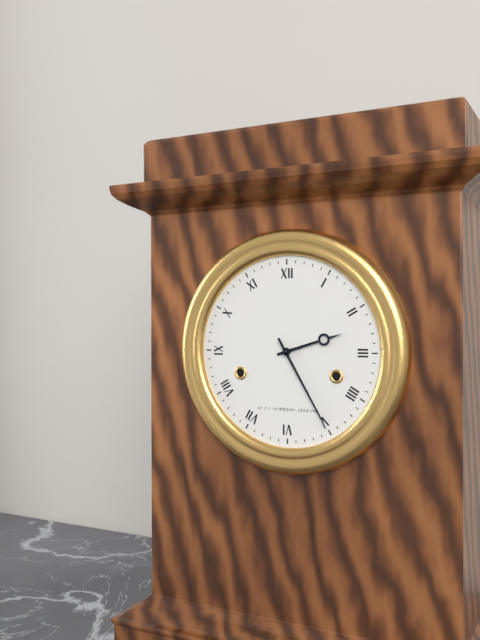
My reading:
2h25
